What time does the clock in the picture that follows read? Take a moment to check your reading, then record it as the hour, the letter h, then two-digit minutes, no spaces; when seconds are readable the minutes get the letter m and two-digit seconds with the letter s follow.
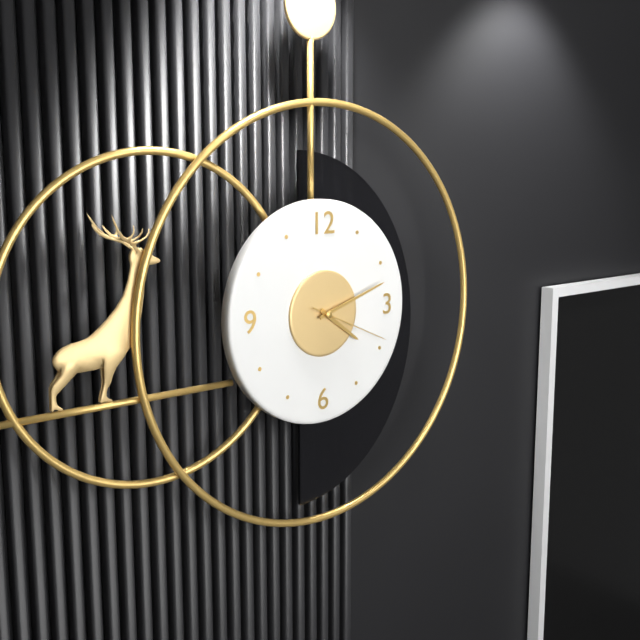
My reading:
4h12m19s
